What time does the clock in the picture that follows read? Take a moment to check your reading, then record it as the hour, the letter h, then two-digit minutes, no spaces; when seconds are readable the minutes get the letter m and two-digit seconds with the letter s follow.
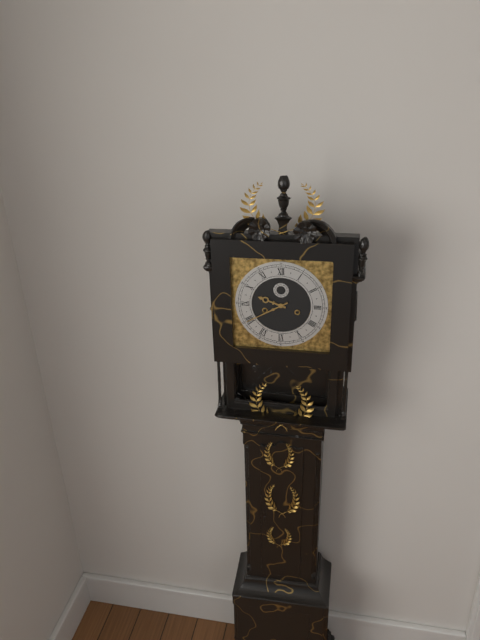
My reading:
9h40
